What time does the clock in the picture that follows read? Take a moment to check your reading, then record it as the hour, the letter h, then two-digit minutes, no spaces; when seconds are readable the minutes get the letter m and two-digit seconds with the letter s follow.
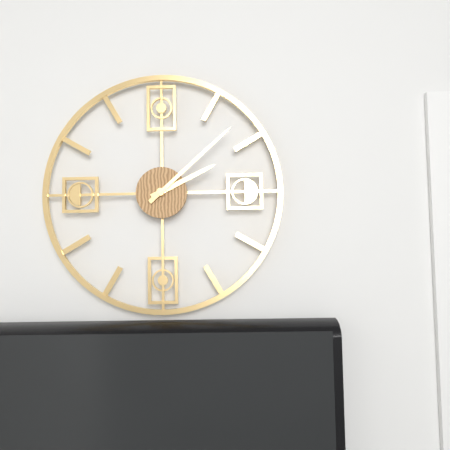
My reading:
2h08
